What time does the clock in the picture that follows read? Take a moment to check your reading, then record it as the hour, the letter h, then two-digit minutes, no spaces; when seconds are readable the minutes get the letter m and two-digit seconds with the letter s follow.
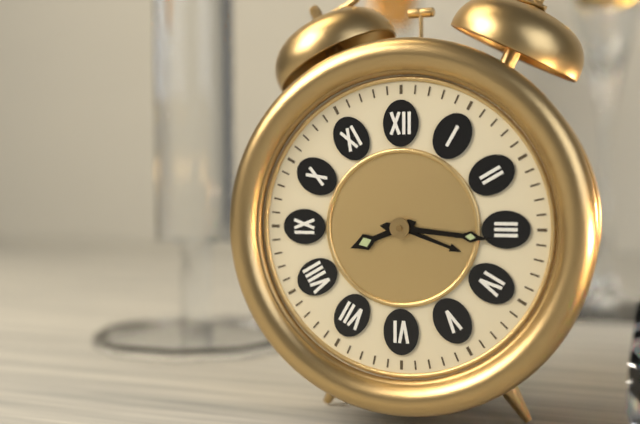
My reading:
8h16
